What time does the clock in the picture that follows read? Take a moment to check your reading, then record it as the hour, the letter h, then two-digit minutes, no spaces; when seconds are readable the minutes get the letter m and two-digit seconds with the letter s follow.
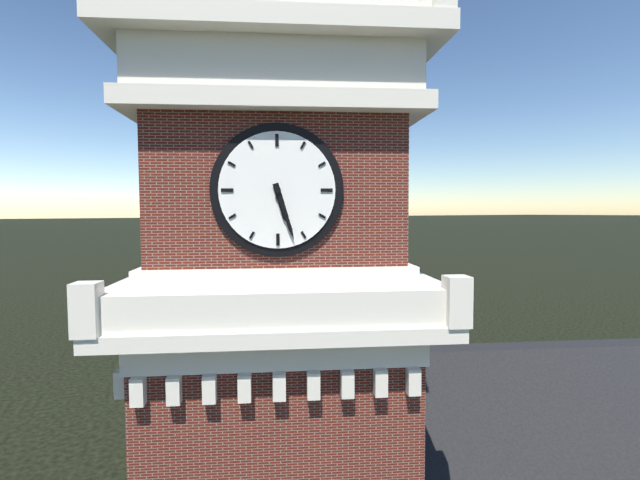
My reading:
5h27
